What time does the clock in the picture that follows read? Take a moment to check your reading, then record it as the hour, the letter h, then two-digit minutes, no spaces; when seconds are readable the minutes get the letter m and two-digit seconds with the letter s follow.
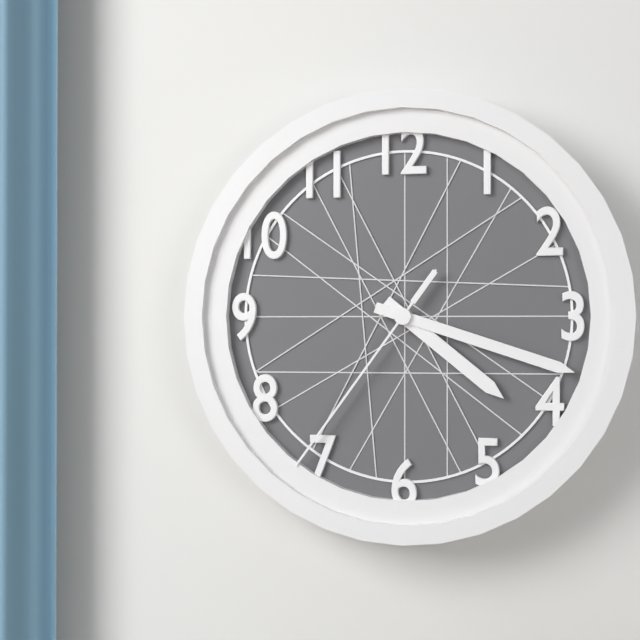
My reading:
4h18m36s
